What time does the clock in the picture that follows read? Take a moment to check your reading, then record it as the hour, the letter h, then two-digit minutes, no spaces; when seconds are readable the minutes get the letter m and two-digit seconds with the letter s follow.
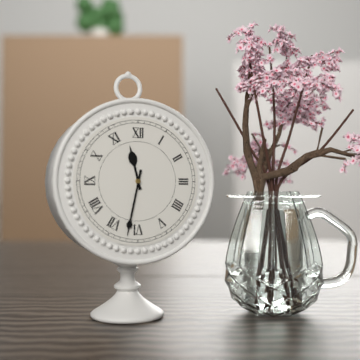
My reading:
11h32
